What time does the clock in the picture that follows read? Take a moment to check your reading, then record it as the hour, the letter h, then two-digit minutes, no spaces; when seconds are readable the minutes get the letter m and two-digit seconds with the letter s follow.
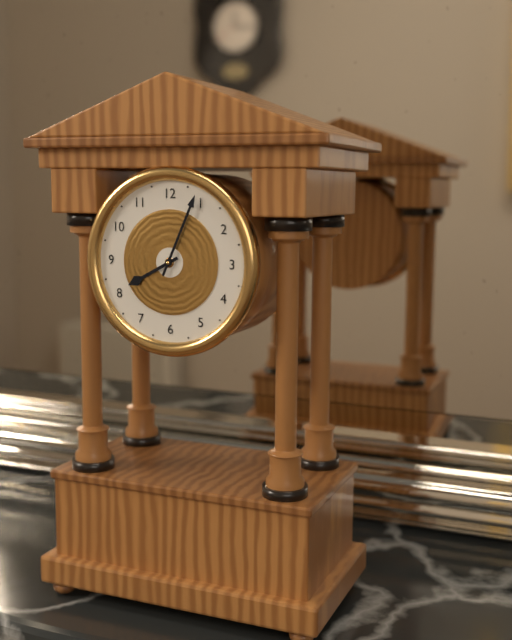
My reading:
8h04
